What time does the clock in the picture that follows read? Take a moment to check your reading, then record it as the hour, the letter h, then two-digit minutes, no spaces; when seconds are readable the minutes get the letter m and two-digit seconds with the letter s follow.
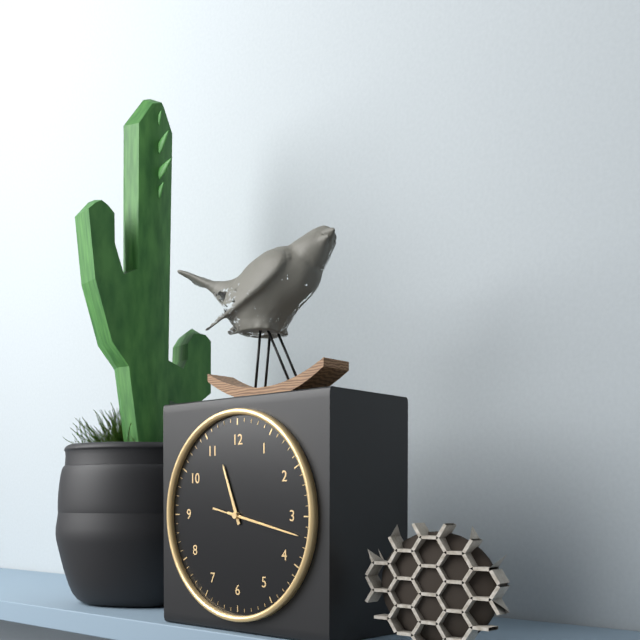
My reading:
11h17m17s
